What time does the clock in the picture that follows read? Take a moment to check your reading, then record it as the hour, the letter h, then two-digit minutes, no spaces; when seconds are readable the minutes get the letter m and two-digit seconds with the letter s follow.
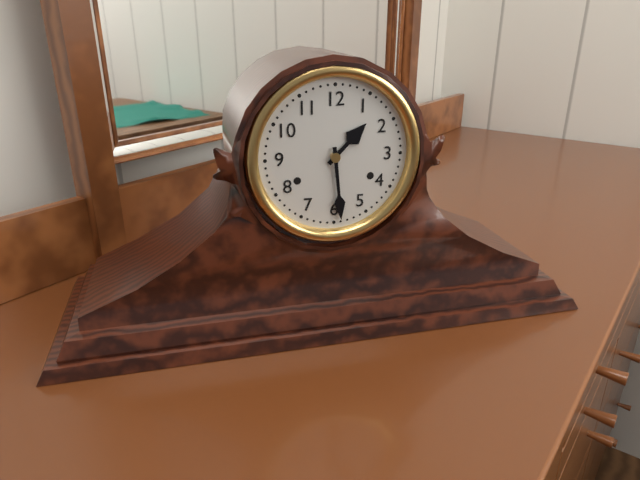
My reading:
1h29
